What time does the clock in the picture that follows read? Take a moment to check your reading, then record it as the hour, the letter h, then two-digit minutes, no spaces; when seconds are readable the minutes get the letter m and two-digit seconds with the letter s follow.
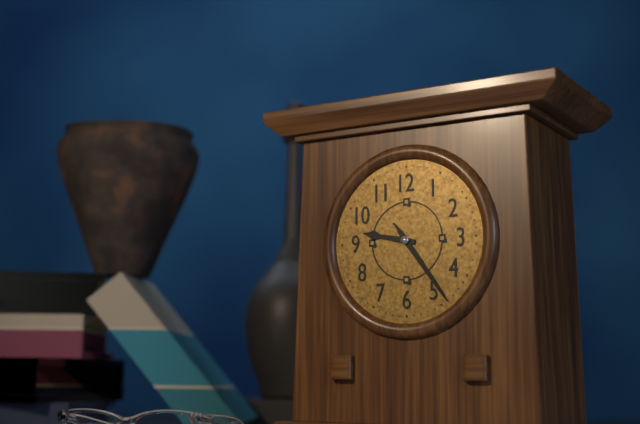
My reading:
9h24m24s
